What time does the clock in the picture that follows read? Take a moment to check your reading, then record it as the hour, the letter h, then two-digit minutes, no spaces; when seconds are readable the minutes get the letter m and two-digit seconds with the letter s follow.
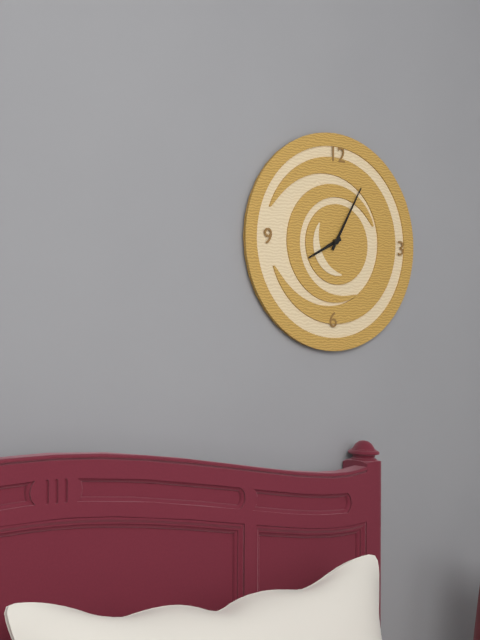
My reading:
8h05
